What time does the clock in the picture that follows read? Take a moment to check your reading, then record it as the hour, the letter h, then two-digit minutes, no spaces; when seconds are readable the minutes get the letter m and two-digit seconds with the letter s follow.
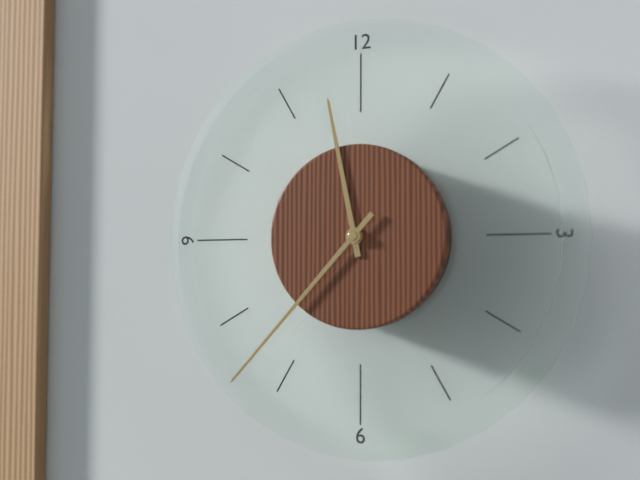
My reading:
11h37
